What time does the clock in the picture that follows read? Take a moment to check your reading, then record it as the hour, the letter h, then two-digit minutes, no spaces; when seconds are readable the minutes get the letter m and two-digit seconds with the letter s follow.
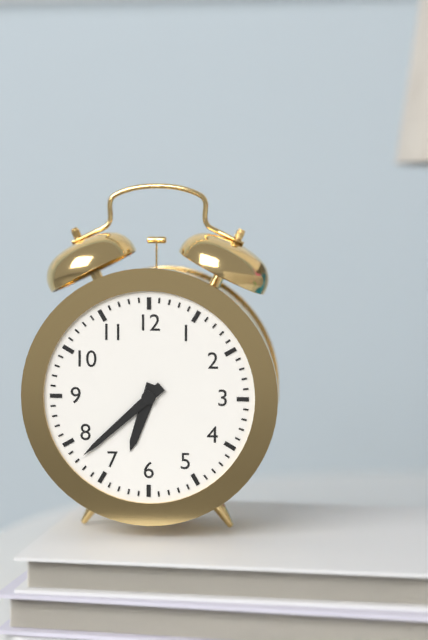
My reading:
6h38
